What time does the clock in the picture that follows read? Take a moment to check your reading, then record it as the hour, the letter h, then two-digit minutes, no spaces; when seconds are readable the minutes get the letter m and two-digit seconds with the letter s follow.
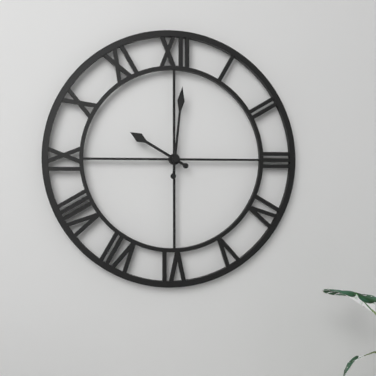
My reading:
10h01
